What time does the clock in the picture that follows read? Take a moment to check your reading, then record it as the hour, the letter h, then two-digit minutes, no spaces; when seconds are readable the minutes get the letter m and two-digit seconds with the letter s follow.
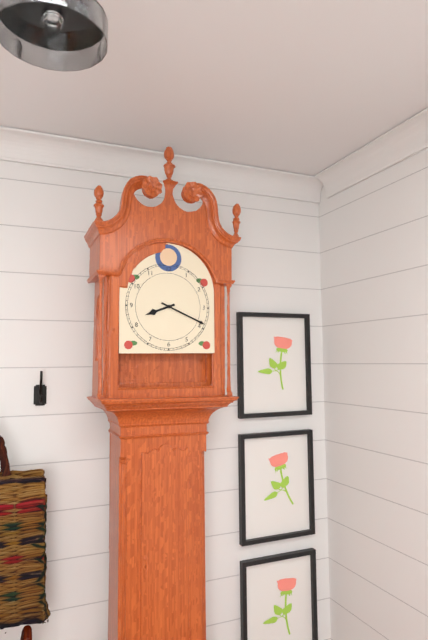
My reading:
8h19
